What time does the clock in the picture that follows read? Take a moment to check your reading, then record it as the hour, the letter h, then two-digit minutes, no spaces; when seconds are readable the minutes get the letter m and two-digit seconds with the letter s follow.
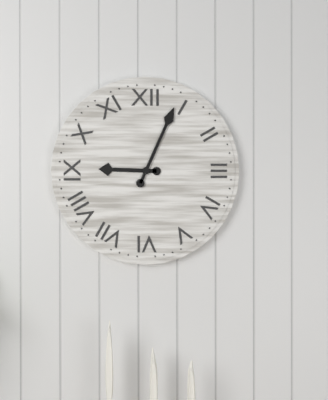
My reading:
9h04
